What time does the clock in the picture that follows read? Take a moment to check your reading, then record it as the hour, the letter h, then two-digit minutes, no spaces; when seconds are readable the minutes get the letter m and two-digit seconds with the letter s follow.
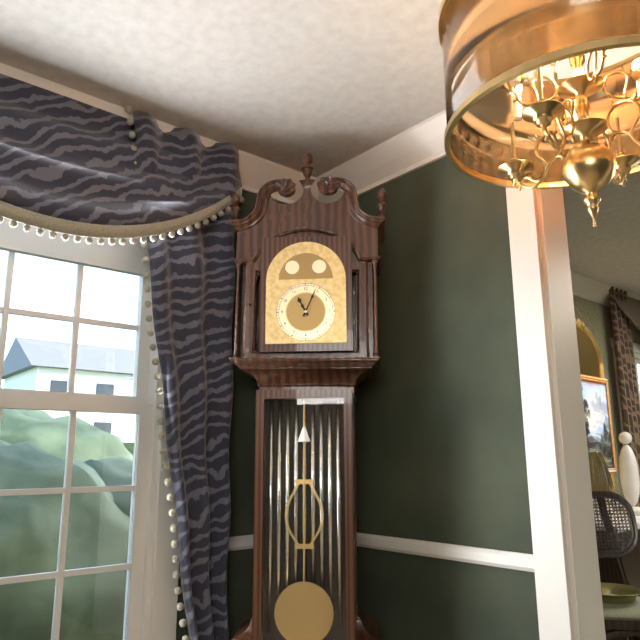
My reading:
11h04
